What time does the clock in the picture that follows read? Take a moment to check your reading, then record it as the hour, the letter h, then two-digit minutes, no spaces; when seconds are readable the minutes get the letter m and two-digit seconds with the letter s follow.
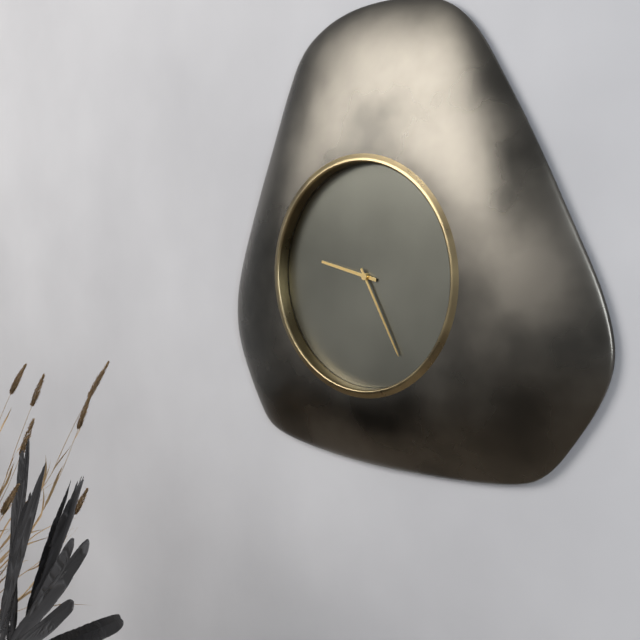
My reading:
9h25
